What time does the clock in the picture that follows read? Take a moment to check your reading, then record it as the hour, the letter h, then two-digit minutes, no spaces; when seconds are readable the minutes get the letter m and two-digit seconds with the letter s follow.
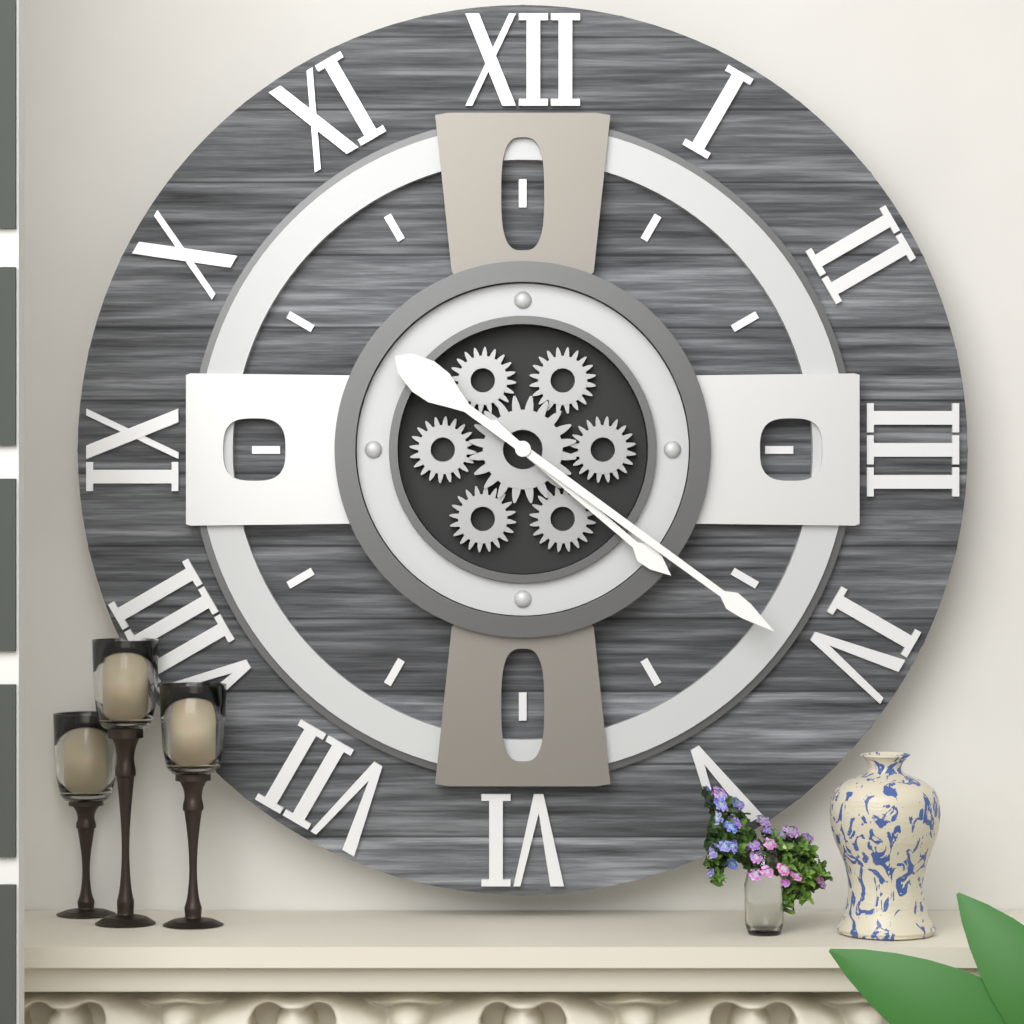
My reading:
4h21
